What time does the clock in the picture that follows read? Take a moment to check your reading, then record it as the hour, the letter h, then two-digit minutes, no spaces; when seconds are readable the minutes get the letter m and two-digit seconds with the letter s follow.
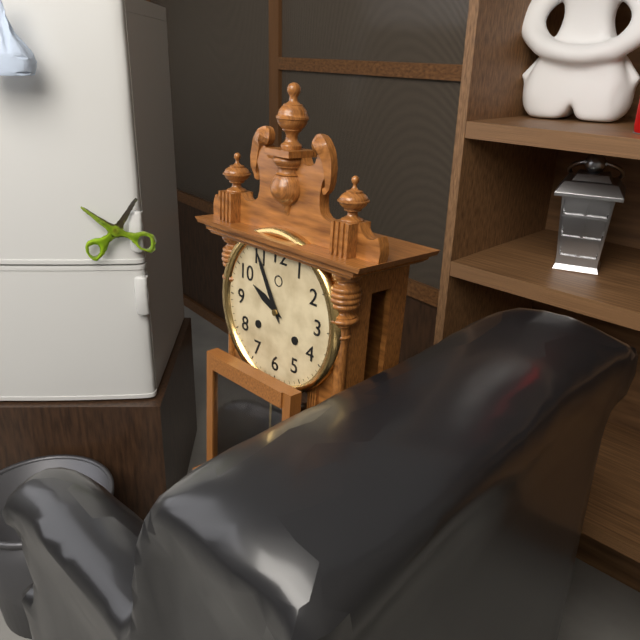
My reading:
9h55
